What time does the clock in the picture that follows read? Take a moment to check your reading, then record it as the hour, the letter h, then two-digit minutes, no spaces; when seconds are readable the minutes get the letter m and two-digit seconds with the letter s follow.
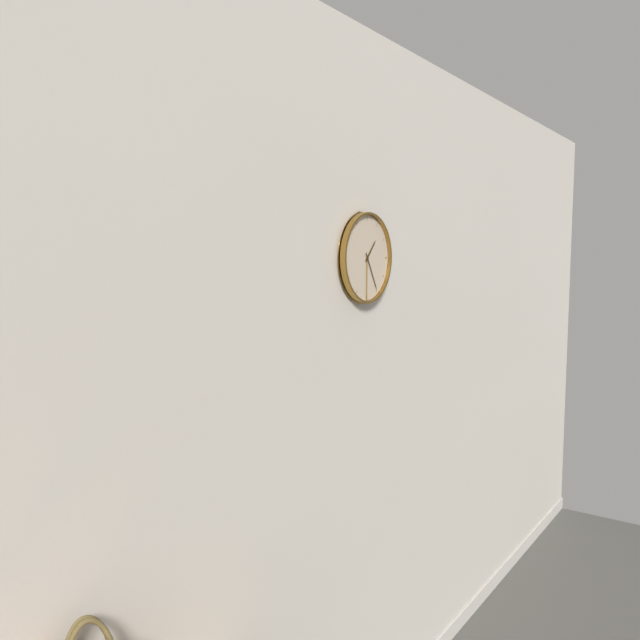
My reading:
1h25
